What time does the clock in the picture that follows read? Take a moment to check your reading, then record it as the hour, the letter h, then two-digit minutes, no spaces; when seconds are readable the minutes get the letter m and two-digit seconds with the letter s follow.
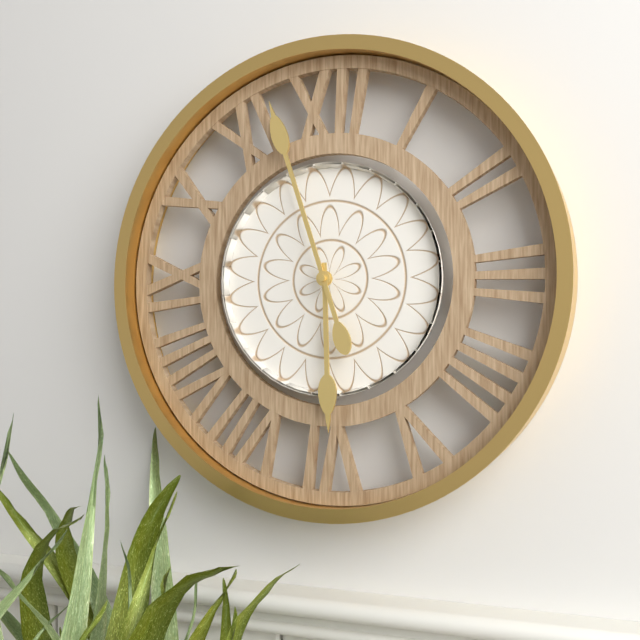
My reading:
5h57
